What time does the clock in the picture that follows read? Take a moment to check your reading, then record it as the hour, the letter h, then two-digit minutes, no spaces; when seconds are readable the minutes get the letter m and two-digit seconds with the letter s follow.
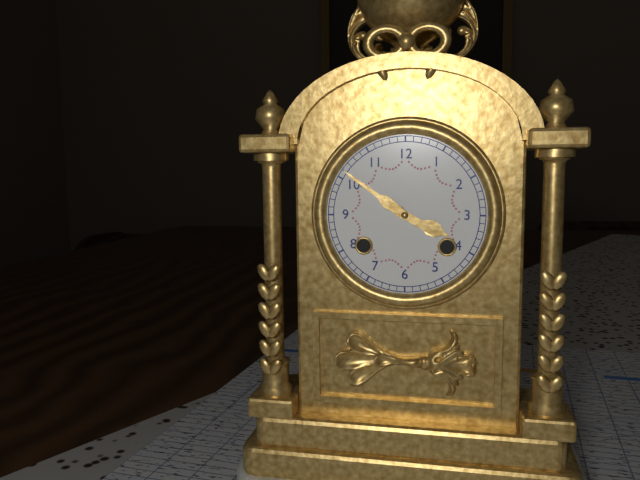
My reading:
3h51
